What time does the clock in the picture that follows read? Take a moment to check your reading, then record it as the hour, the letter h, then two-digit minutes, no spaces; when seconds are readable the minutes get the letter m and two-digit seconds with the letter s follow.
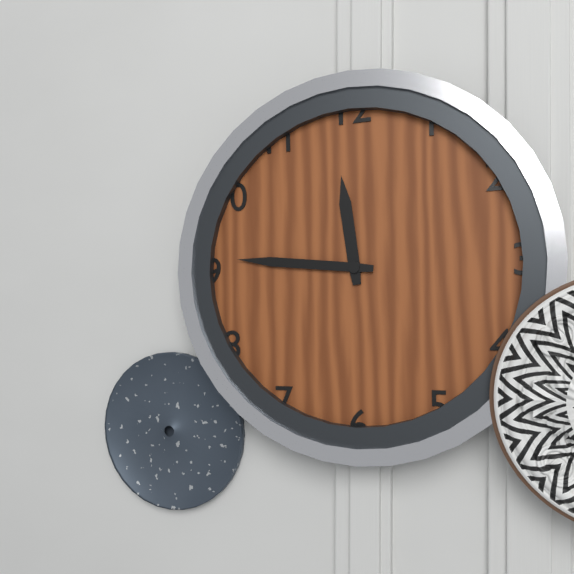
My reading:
11h46
